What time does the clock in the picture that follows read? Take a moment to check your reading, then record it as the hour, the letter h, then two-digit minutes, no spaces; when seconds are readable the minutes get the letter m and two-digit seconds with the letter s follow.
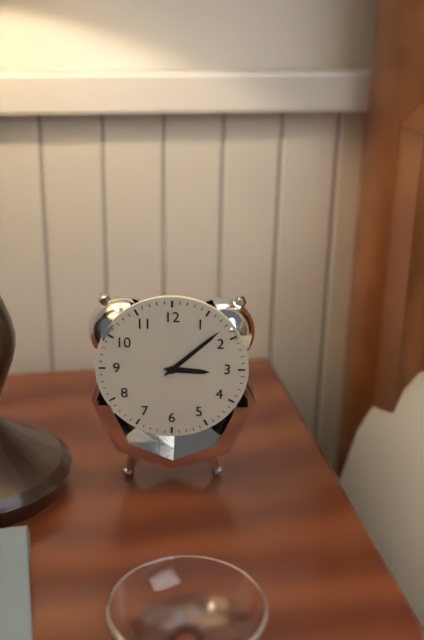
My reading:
3h08
